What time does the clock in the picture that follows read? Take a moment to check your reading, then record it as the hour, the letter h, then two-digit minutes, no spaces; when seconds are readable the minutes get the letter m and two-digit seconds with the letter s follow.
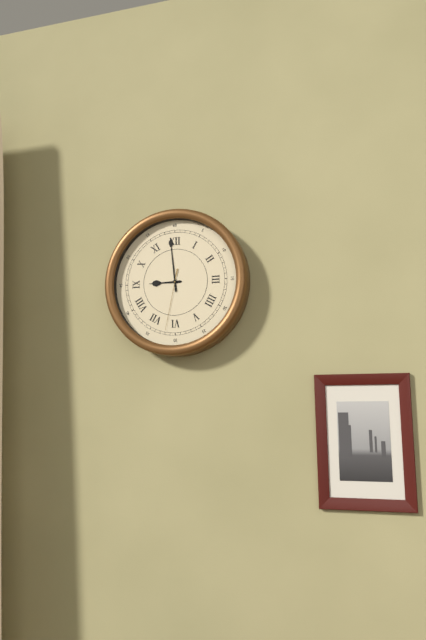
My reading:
8h59m32s
